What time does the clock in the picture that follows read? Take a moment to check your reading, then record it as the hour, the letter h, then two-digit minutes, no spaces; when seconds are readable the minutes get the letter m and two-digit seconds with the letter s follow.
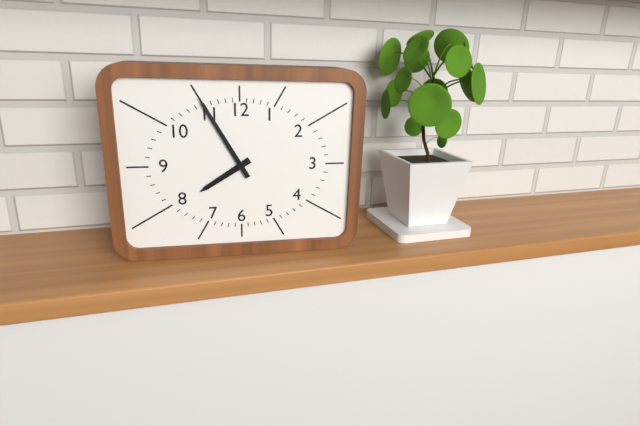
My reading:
7h55
